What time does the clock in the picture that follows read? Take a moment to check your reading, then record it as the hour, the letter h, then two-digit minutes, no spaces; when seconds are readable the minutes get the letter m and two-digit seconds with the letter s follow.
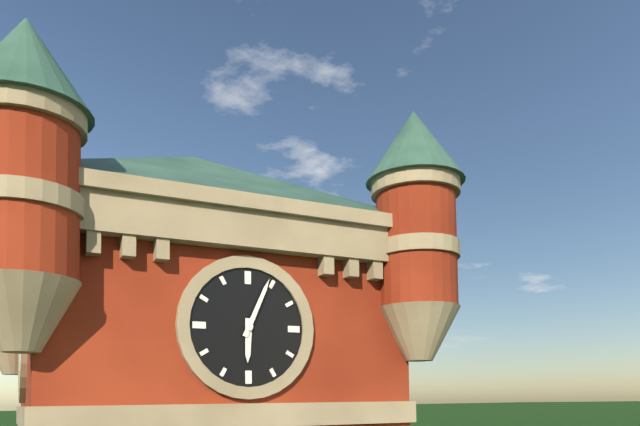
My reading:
6h04
